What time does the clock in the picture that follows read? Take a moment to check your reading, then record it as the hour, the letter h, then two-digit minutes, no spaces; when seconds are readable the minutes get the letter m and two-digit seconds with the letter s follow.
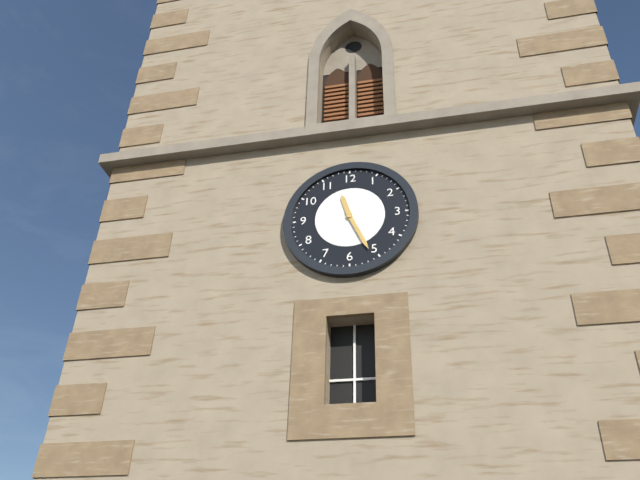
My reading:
11h26
